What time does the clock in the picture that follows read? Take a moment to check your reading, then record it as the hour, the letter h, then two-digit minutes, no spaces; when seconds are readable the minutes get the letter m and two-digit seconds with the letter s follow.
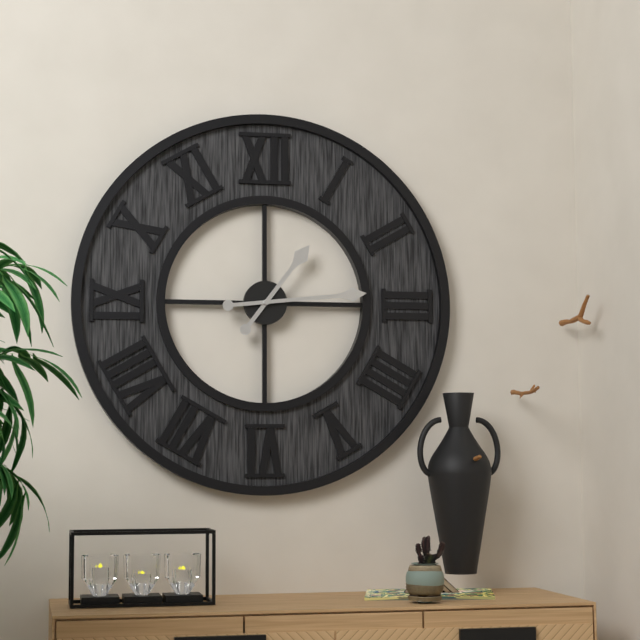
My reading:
1h14
